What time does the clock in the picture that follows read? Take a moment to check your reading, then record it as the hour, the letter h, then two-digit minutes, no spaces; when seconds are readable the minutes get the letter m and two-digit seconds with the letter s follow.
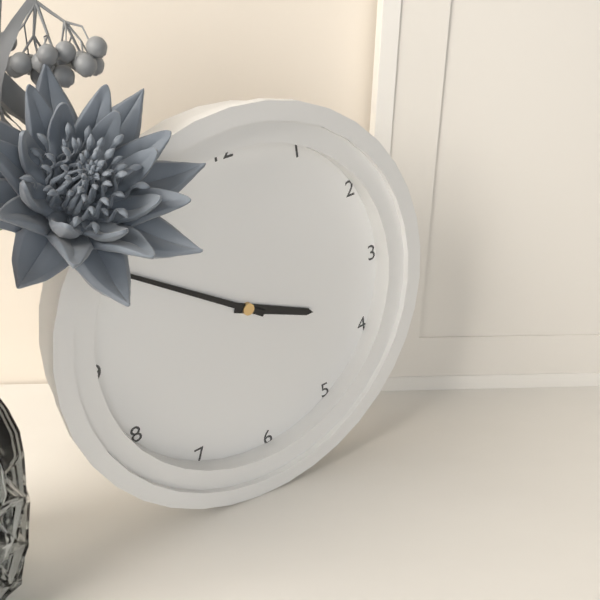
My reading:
3h51
